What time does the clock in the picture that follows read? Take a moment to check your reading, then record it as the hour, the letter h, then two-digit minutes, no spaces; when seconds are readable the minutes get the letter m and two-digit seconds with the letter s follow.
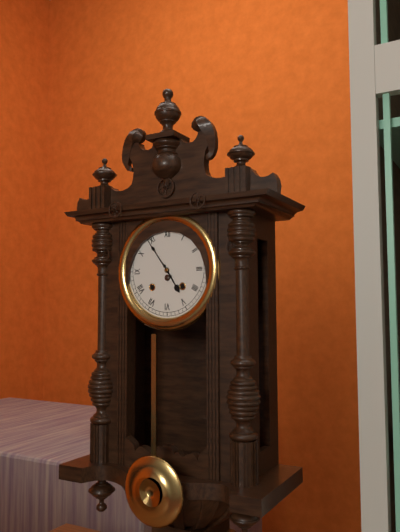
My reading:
4h54
